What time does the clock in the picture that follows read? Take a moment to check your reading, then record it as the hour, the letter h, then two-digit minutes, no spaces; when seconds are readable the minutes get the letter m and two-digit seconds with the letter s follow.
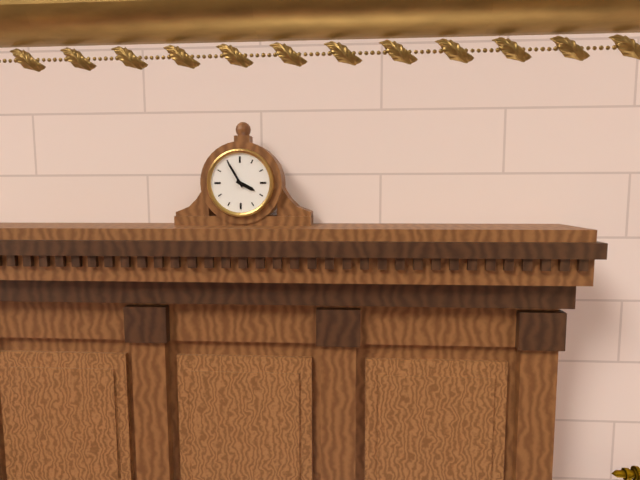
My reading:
3h55
